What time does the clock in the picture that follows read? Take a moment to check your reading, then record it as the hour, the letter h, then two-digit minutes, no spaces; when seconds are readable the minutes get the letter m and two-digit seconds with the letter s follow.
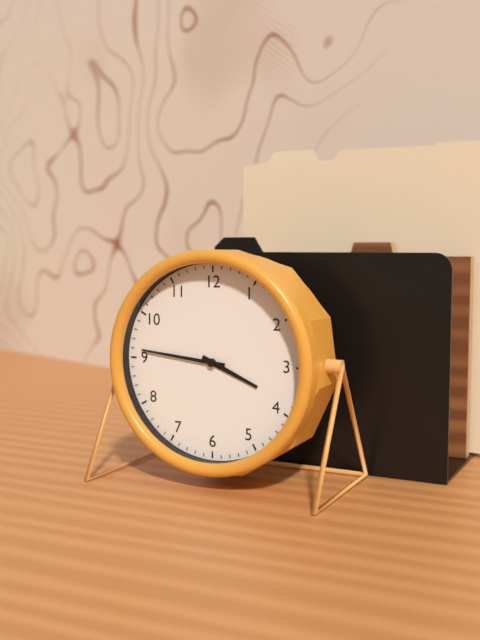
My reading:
3h46
